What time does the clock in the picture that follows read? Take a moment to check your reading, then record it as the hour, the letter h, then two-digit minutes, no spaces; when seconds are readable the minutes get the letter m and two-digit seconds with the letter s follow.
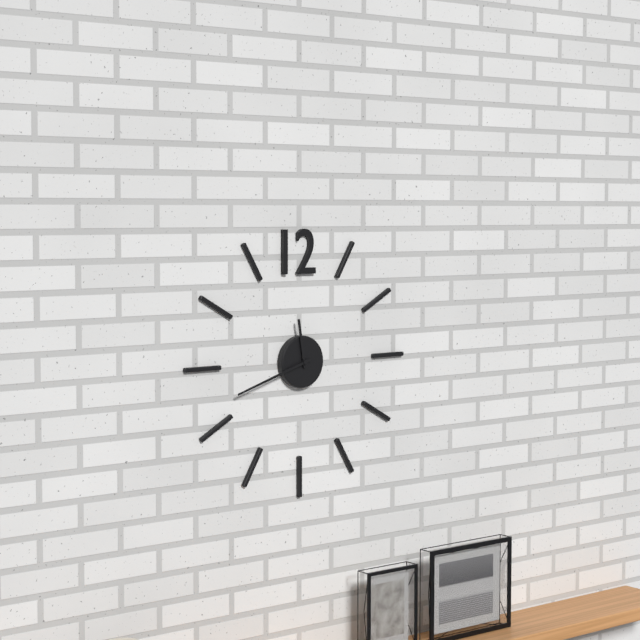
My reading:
11h42
